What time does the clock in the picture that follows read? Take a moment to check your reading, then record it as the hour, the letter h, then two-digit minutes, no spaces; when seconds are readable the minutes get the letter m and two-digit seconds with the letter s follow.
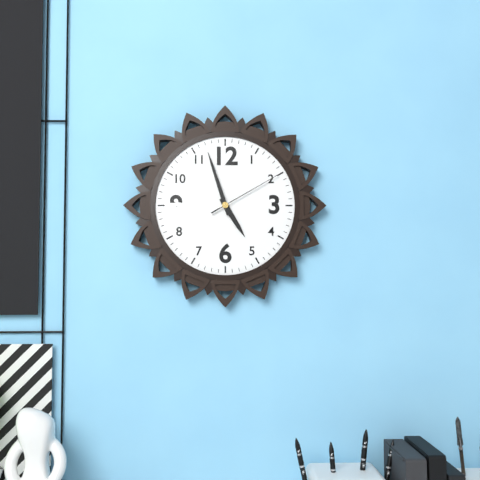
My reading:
4h57m10s
